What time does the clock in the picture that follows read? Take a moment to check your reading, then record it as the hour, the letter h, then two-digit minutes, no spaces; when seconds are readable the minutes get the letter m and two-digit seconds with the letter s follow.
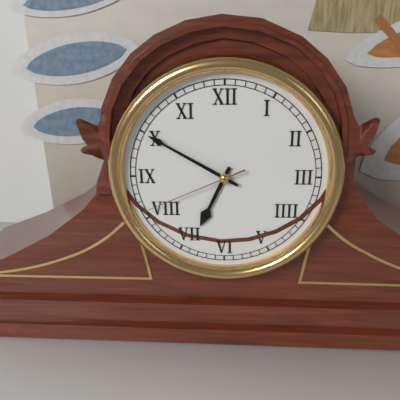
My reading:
6h50m41s
